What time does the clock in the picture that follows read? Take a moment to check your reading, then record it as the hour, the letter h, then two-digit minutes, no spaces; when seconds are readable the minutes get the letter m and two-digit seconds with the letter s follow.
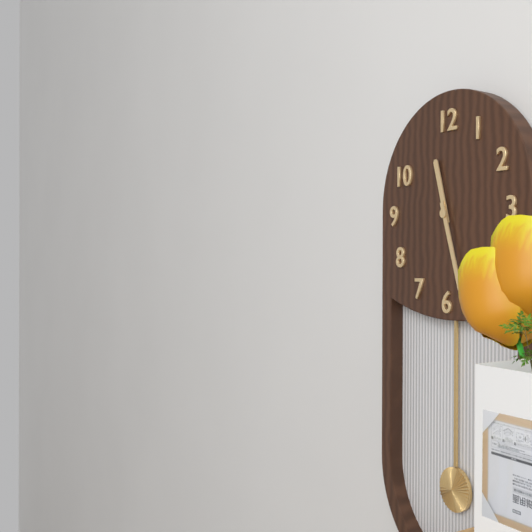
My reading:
11h27
